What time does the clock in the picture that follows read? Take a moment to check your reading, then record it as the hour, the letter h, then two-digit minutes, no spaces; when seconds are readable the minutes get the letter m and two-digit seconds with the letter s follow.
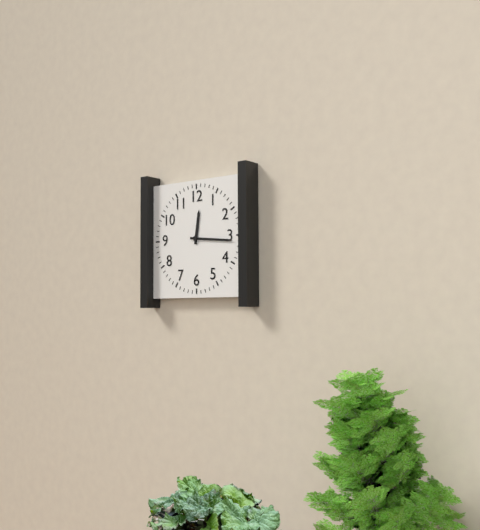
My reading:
12h16
